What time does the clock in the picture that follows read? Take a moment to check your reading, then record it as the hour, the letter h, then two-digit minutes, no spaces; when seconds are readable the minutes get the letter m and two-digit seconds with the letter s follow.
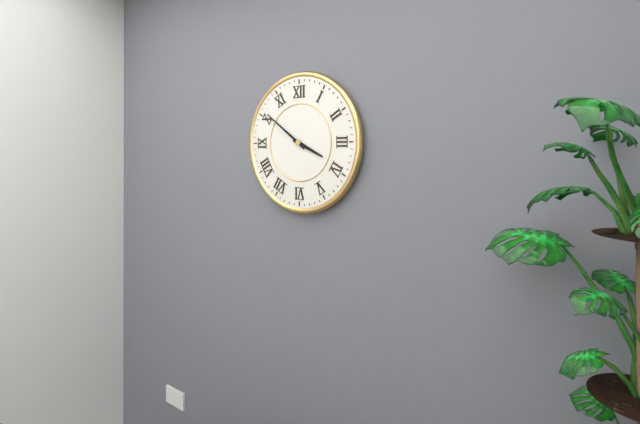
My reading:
3h51
